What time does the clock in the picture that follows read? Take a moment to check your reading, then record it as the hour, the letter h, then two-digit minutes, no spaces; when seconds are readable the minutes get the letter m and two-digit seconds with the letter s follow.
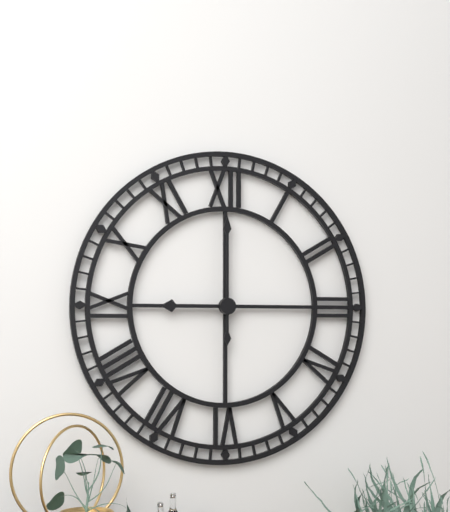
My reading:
9h00
